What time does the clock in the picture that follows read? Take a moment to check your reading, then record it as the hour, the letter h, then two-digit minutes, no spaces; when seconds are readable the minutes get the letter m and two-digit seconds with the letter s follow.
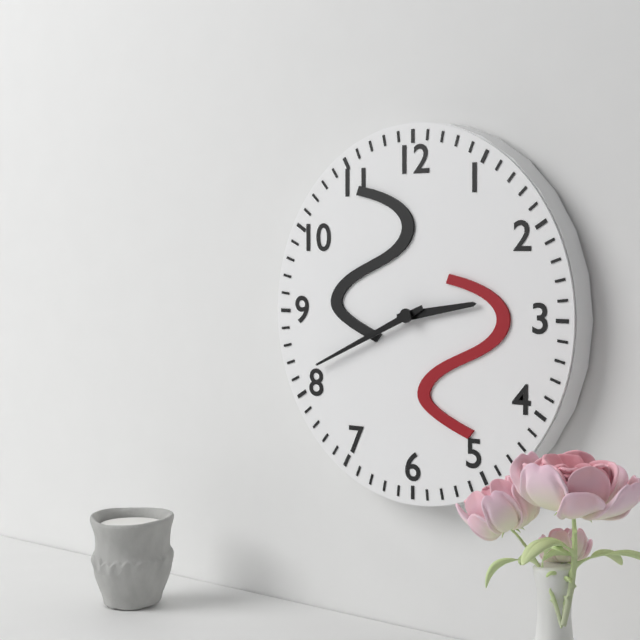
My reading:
2h41
